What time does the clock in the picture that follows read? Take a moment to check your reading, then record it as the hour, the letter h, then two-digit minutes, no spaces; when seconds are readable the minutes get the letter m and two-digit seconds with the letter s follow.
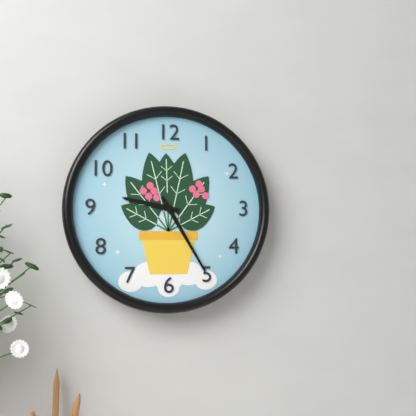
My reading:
9h25
